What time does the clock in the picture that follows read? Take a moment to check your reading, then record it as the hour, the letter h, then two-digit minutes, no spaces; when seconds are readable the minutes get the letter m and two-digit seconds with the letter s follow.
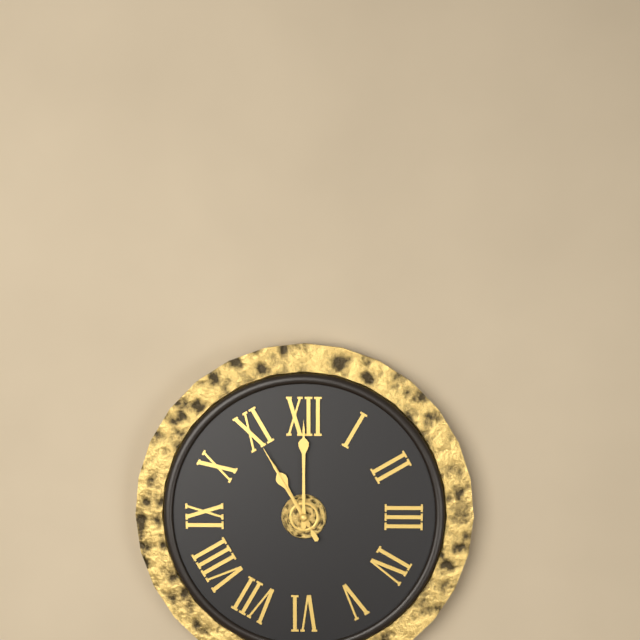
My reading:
11h00m55s
